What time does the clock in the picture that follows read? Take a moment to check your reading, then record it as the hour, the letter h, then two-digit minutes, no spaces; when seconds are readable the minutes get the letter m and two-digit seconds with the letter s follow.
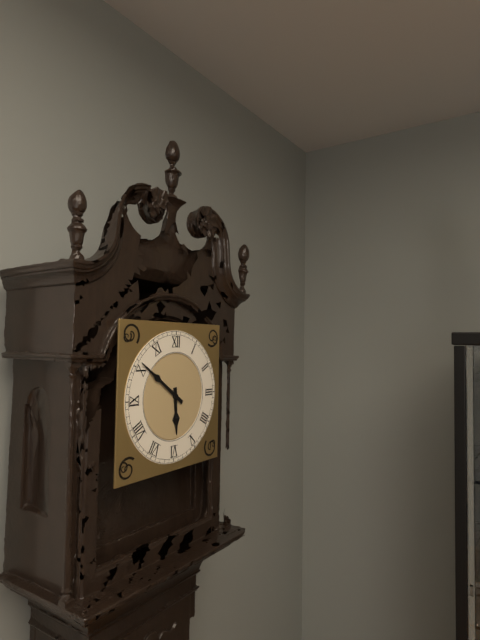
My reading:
5h51
